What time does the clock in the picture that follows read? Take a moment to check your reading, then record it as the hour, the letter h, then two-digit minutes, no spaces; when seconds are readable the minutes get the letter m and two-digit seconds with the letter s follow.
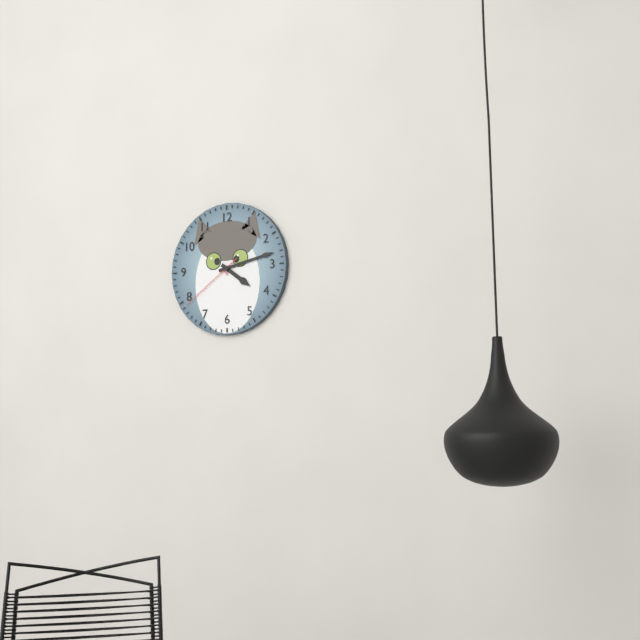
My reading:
4h13m39s
